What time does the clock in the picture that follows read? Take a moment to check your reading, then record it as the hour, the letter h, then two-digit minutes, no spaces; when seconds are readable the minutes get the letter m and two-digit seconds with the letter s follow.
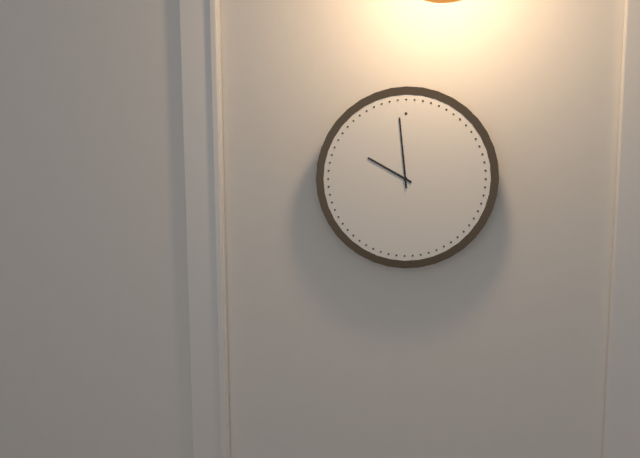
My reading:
9h59
